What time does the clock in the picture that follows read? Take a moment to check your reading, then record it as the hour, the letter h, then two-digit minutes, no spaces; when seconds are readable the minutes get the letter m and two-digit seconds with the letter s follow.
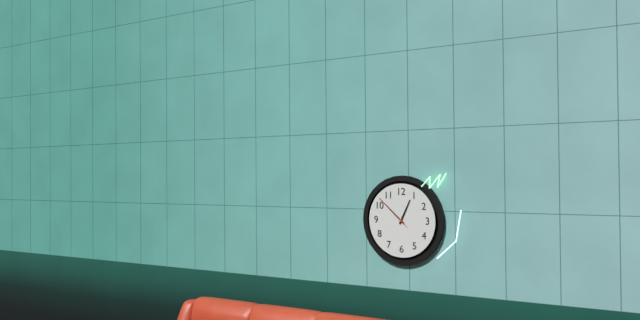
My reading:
12h52
